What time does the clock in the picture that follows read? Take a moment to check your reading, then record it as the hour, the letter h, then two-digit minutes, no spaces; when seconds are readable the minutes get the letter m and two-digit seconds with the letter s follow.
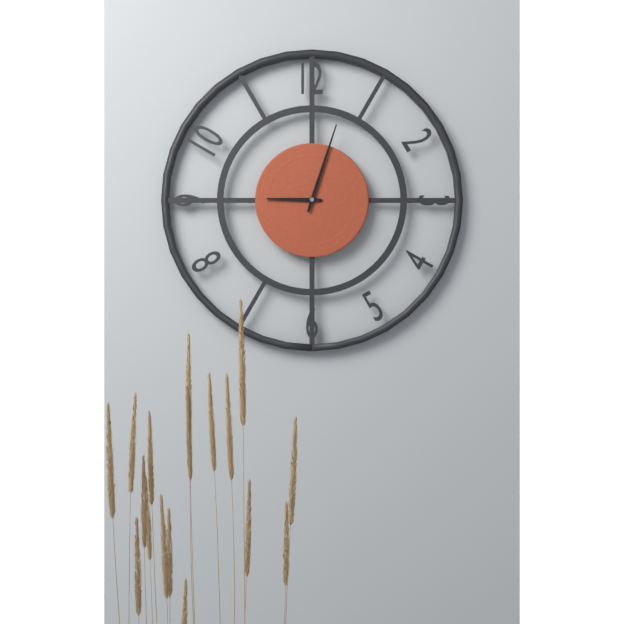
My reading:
9h03
